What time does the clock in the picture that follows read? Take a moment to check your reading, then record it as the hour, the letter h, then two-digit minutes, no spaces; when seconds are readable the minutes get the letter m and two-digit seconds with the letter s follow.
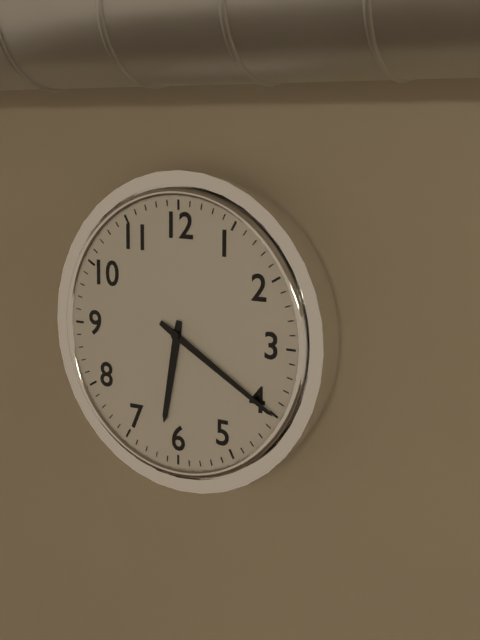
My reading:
6h20
